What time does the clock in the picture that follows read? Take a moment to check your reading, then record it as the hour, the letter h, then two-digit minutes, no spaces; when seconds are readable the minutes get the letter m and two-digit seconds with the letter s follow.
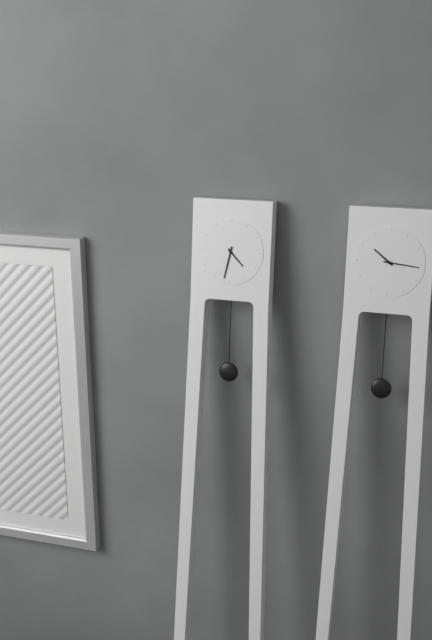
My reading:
4h32
